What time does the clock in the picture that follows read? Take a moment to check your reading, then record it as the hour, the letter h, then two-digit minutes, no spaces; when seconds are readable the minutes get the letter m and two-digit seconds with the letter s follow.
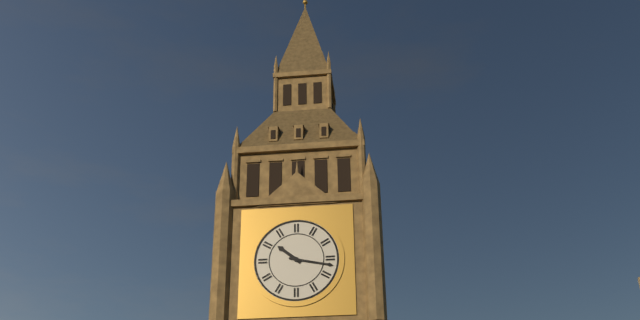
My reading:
10h17
